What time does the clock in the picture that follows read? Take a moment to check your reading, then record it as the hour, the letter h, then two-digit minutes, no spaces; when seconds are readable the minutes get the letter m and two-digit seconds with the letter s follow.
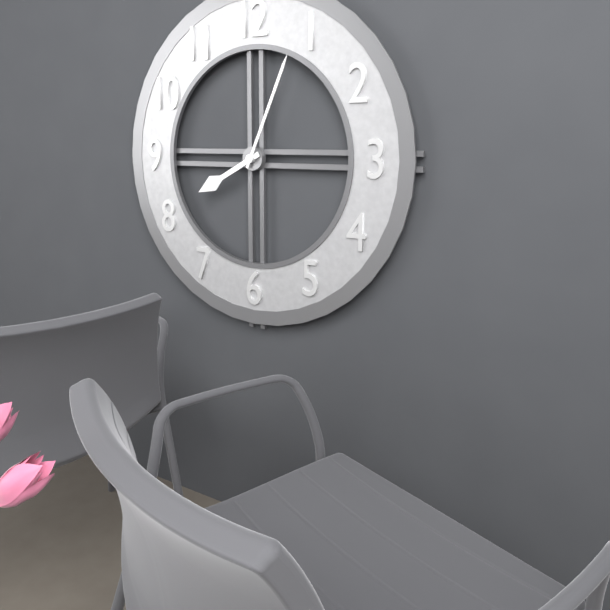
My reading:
8h04
